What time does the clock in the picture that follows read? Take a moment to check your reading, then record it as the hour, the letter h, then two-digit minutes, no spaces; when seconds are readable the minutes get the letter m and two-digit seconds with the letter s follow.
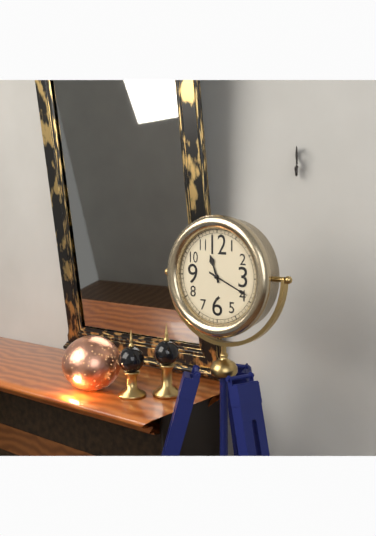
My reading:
11h19
